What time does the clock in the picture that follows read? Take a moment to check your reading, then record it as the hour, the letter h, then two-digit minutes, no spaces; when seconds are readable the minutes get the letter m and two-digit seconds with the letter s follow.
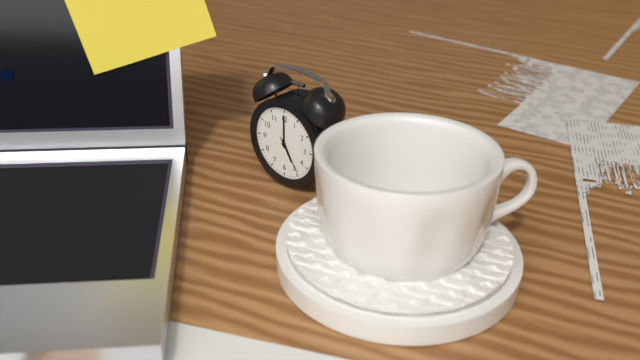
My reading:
5h00
